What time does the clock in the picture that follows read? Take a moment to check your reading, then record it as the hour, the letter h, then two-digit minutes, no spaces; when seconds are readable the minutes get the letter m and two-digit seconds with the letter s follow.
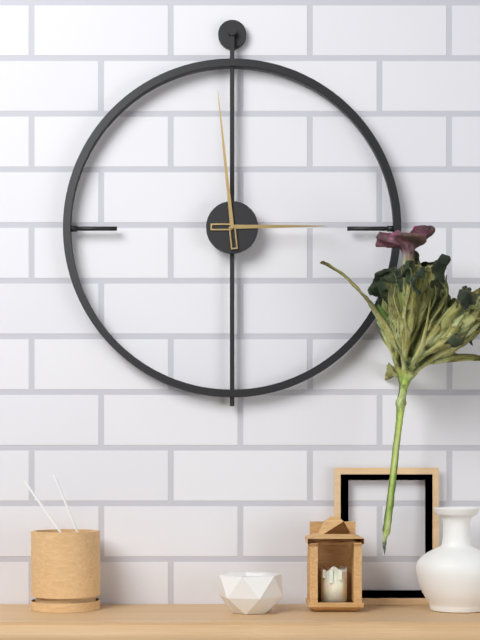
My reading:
2h59
